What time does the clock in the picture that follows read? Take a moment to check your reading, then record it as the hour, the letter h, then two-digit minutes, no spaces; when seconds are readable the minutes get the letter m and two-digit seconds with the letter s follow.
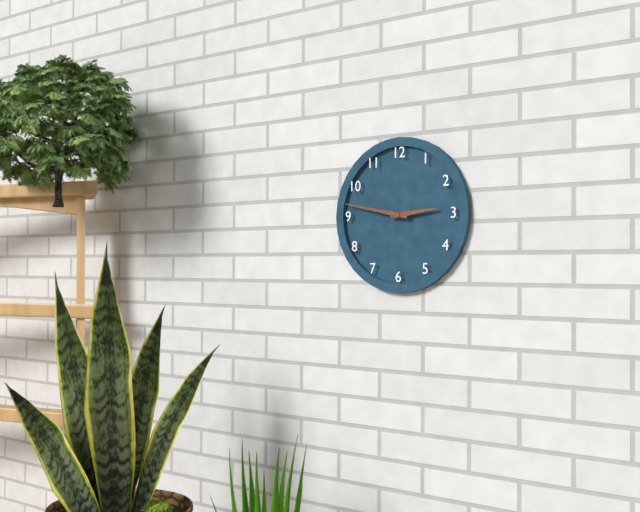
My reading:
2h47
